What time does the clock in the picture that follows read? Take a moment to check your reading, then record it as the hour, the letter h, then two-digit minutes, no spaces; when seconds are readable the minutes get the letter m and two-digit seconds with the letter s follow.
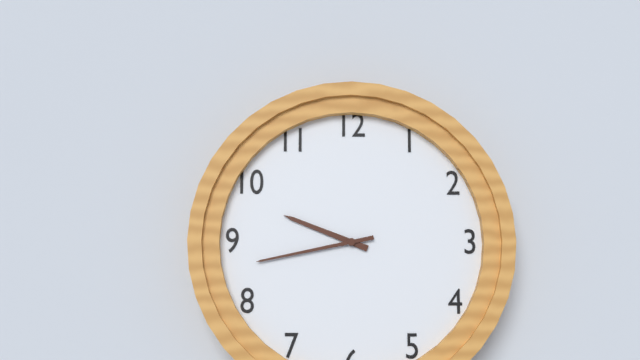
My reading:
9h43
